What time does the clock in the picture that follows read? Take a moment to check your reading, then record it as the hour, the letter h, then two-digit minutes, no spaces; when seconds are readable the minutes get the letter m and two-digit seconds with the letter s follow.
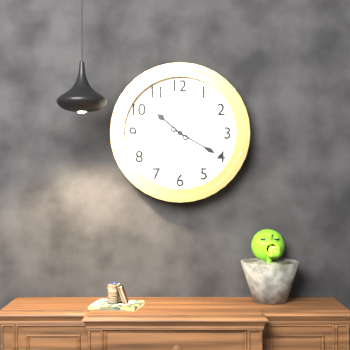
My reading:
10h20
